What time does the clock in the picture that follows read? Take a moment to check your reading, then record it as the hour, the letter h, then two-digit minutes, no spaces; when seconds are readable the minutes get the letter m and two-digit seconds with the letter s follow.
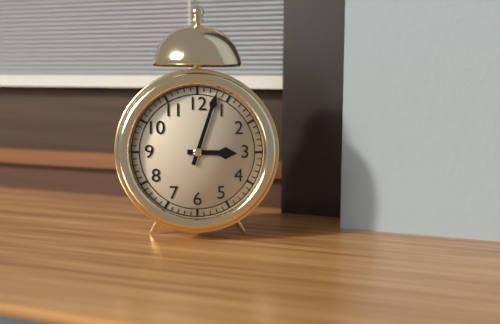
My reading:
3h03
